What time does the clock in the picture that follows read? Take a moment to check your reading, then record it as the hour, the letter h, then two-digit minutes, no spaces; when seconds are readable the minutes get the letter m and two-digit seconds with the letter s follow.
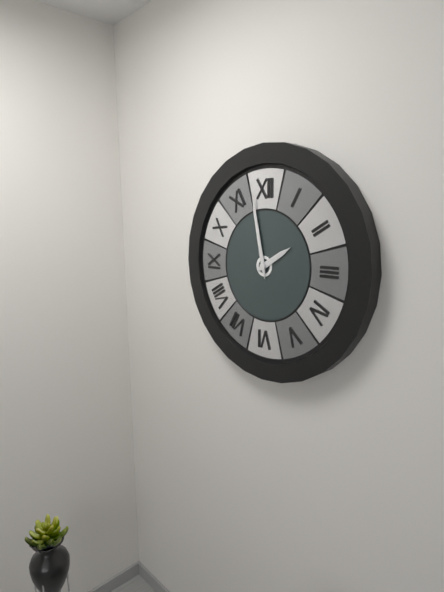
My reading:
1h58
